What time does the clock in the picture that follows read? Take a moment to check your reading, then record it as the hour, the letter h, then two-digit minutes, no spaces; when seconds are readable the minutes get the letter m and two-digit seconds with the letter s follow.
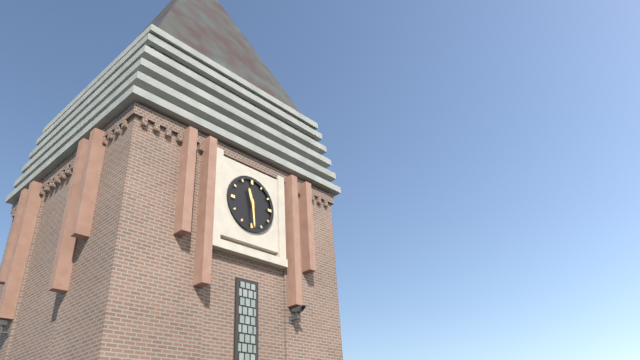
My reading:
11h29
